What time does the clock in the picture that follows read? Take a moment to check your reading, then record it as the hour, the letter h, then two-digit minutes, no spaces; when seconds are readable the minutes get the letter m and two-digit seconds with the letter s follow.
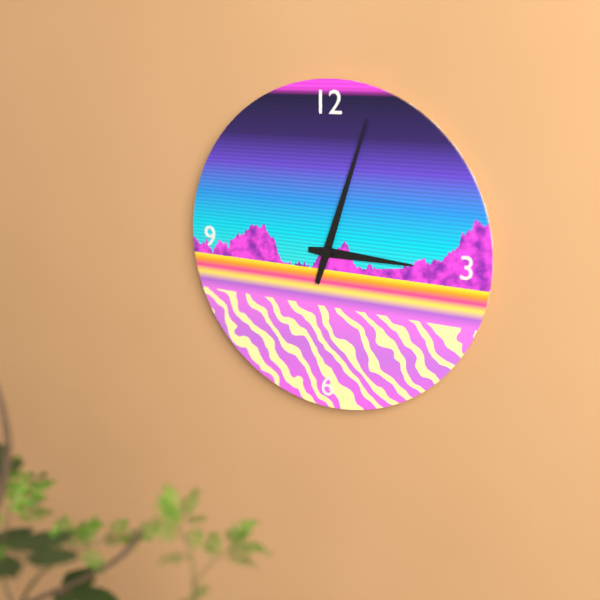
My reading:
3h03
